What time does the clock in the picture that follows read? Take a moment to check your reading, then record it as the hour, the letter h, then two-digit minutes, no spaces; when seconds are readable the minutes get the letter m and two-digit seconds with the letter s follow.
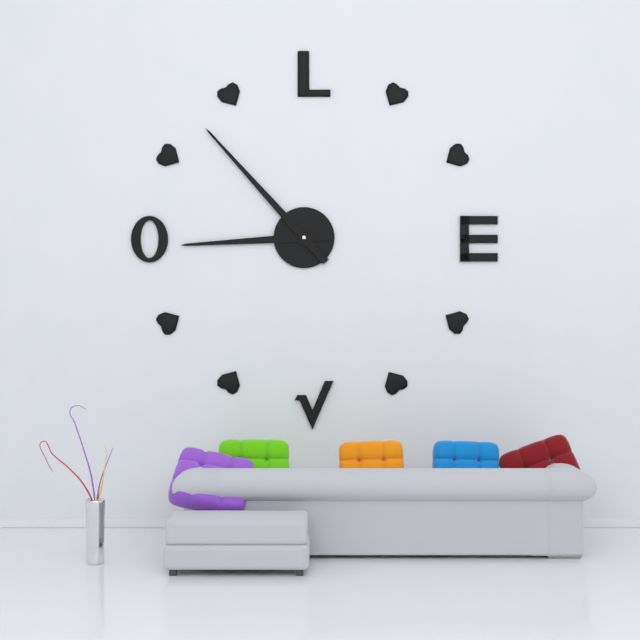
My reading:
8h53
